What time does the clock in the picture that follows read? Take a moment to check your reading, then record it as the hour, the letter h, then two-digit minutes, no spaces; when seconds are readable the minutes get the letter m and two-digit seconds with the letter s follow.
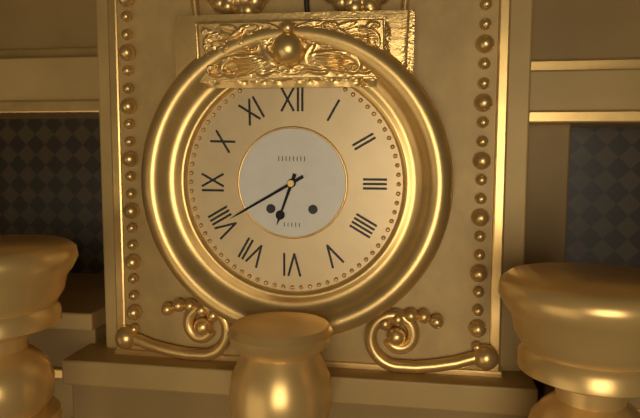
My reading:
6h40
